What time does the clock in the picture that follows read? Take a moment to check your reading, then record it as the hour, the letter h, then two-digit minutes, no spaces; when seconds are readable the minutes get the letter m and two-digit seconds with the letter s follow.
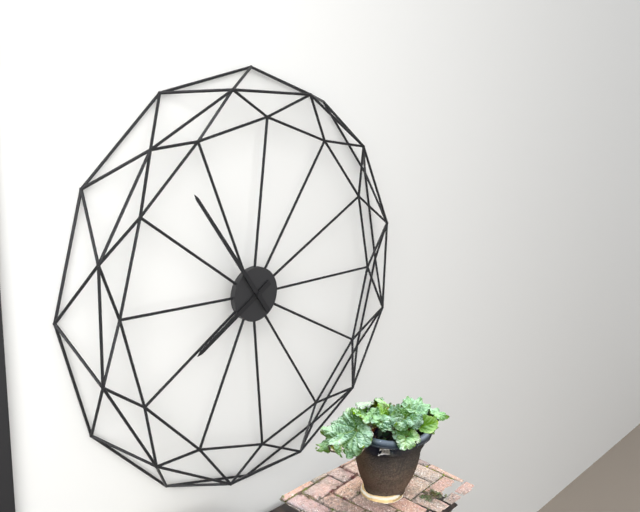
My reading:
7h54
